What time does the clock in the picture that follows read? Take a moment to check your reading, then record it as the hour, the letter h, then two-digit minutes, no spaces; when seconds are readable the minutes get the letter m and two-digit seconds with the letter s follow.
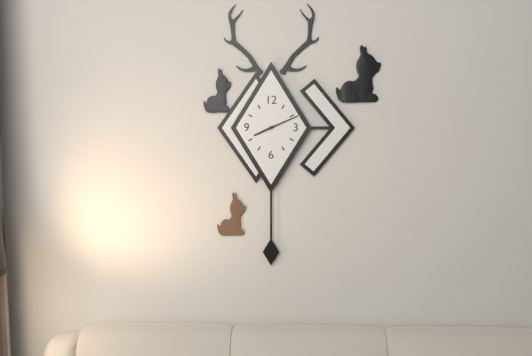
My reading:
8h11
